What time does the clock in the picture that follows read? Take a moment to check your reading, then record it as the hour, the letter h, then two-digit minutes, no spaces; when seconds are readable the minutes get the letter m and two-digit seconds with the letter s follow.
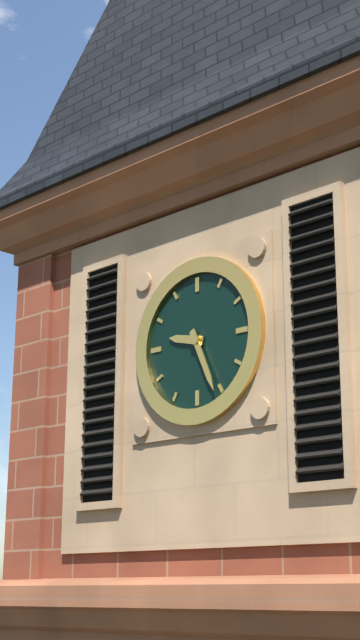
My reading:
9h26
